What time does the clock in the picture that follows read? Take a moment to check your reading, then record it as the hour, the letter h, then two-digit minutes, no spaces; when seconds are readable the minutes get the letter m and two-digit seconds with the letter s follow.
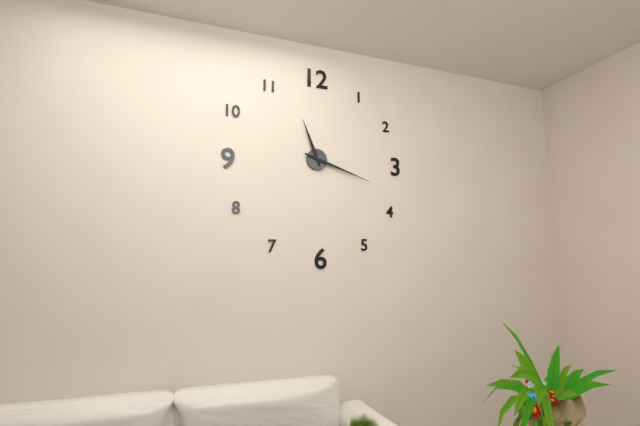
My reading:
11h18
